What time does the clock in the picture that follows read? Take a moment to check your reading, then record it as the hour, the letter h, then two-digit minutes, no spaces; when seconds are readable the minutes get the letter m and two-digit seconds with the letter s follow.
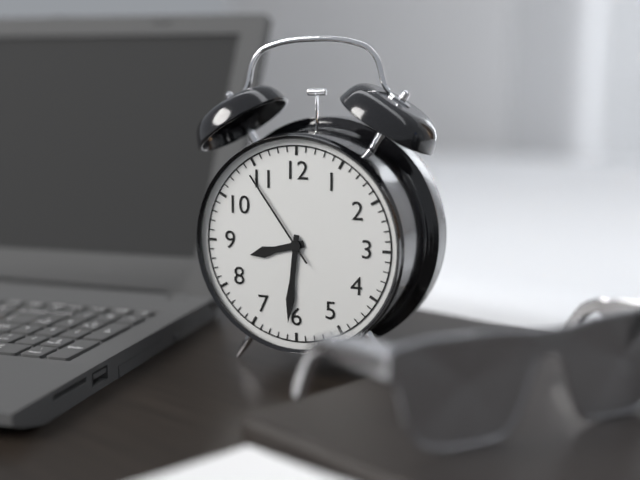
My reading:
8h31m54s
